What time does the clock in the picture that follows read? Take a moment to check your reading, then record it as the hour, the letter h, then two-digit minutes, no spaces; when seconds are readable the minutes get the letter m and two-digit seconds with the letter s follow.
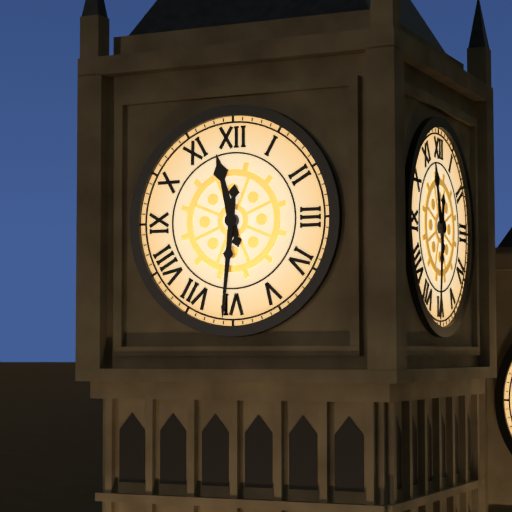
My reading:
11h31
